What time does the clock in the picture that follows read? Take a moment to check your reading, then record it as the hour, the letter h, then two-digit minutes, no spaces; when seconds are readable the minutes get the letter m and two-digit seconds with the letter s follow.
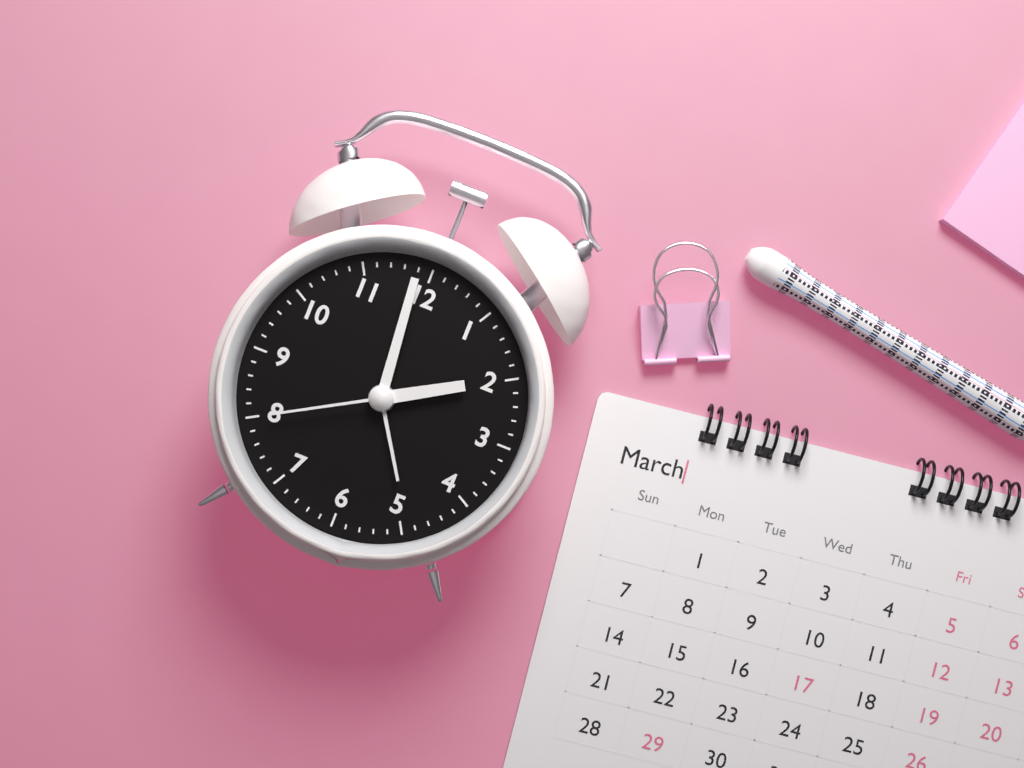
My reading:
1h59m40s
